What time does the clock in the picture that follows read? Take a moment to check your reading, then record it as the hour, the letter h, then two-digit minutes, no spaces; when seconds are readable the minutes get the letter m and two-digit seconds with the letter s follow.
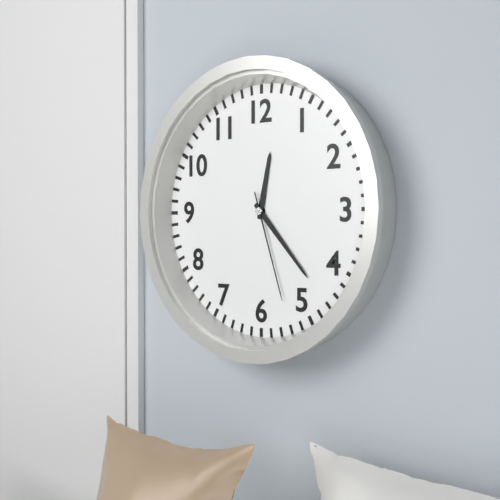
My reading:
12h23m27s
